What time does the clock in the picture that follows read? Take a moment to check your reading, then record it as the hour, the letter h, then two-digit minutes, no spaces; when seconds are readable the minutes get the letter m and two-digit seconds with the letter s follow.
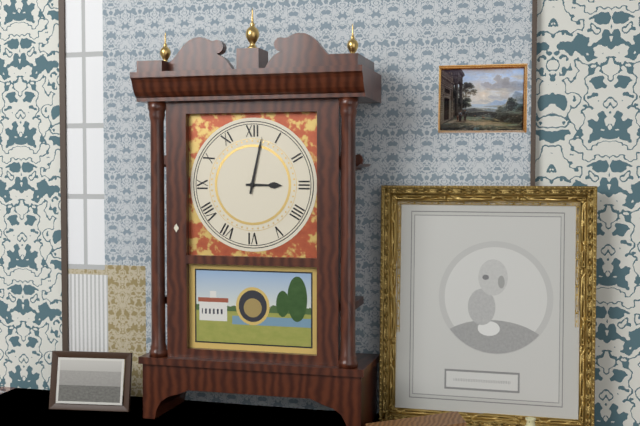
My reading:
3h02
